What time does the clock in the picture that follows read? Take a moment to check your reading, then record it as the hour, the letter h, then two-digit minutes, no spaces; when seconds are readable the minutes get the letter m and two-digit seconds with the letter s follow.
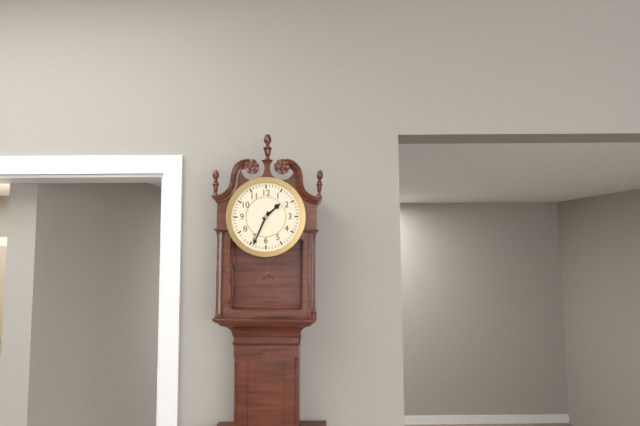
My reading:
1h34
